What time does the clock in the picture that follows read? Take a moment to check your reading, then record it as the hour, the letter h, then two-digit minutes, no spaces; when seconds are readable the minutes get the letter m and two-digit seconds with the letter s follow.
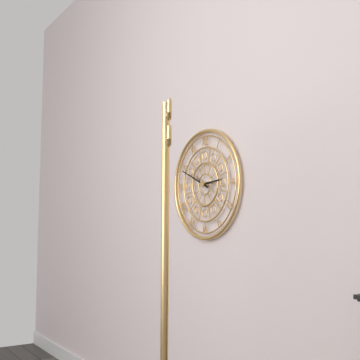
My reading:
2h49
